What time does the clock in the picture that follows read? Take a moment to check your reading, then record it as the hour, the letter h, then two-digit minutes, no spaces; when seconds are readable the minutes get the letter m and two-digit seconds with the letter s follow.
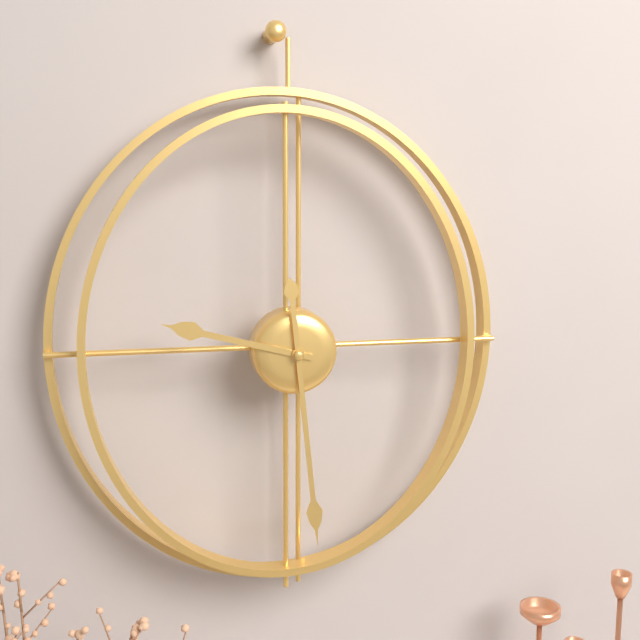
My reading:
9h29
